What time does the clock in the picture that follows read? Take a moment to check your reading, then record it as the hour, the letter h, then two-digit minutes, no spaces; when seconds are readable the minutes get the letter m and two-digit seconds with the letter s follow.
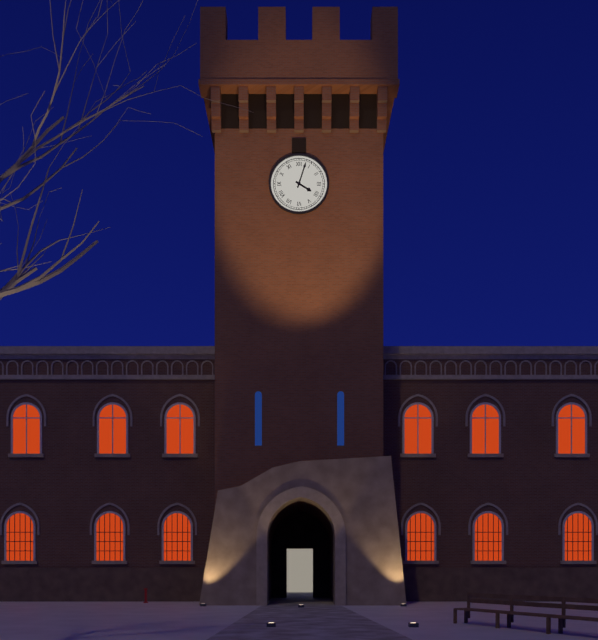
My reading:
4h03
